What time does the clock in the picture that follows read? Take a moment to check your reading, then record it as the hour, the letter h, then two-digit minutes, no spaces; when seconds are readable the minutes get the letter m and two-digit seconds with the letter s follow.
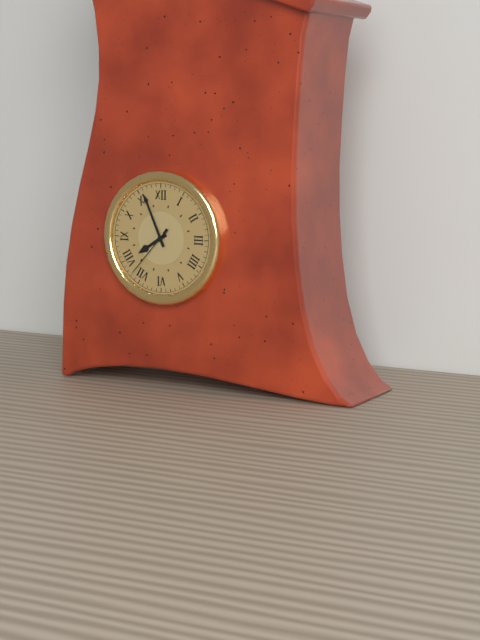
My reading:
7h56m37s
